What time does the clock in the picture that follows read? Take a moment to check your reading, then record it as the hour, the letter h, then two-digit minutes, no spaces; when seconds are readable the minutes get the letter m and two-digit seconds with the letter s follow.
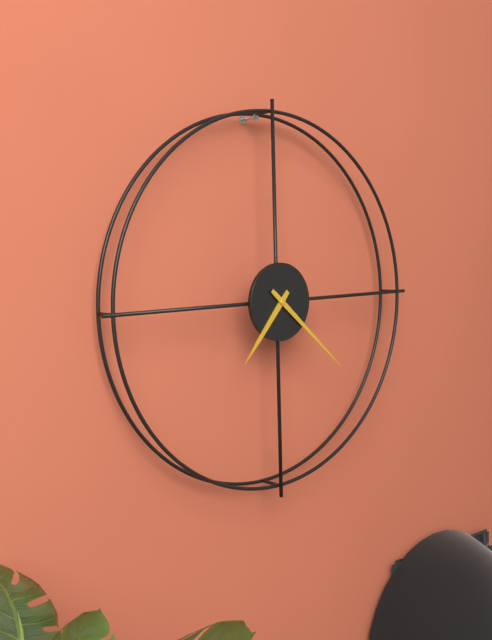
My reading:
7h22
